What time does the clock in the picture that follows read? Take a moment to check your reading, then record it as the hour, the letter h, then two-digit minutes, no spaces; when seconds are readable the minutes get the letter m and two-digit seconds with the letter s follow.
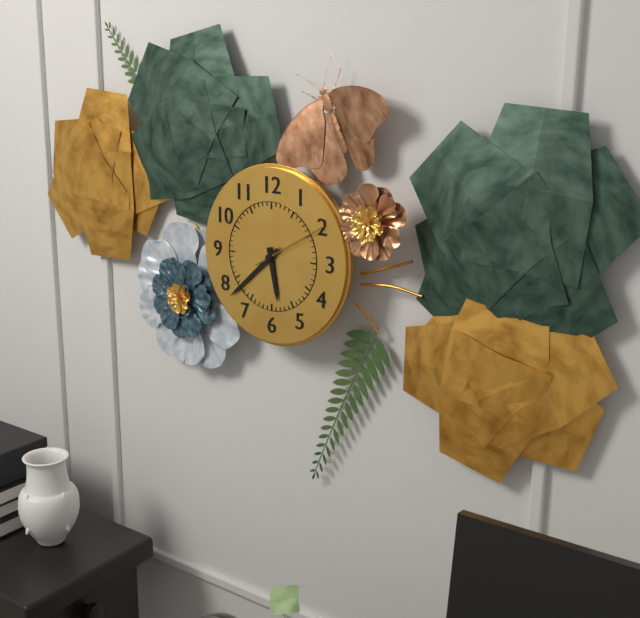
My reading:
5h38m10s
